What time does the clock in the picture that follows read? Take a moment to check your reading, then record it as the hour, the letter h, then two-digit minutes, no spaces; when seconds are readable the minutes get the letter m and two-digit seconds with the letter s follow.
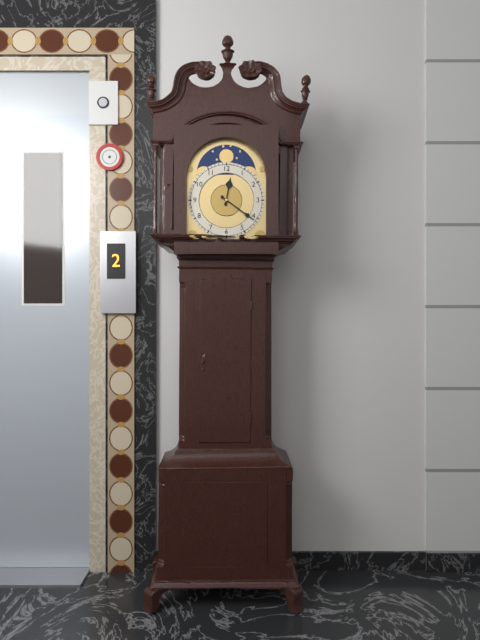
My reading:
12h21
